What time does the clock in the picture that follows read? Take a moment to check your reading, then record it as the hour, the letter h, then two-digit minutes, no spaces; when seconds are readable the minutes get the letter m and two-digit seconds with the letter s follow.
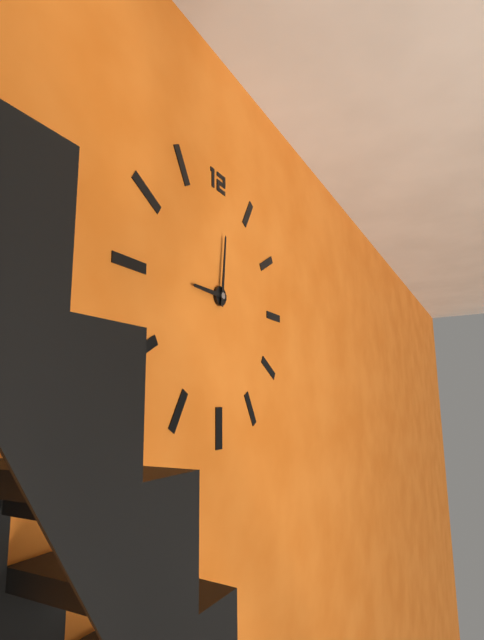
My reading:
9h01
